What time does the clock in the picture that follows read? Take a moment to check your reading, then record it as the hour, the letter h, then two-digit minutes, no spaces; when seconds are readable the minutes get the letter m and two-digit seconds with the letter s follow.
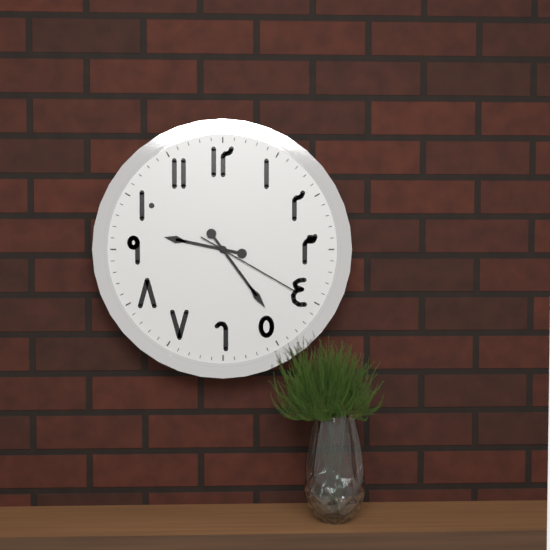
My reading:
9h24m20s
